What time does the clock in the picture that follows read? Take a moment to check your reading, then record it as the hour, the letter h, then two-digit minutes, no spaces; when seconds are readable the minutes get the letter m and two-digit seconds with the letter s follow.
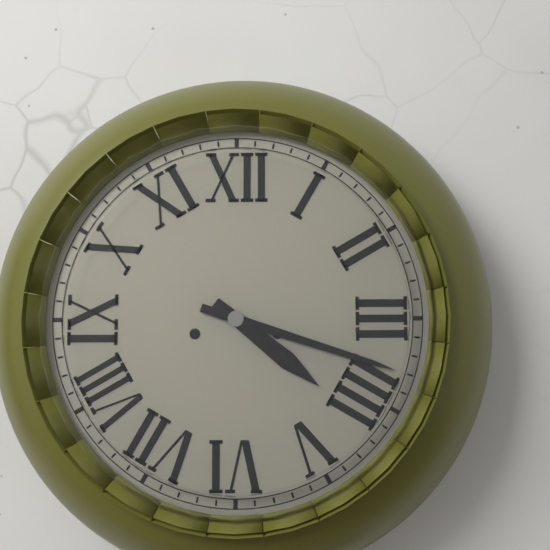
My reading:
4h18
